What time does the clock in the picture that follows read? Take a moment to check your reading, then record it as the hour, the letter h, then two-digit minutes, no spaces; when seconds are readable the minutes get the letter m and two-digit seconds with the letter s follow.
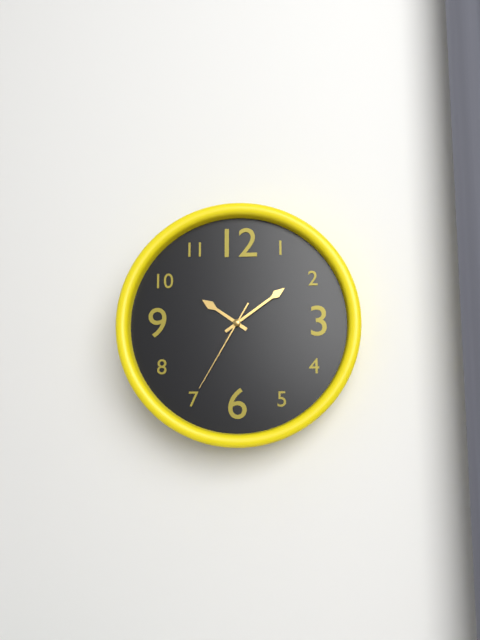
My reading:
10h09m35s
